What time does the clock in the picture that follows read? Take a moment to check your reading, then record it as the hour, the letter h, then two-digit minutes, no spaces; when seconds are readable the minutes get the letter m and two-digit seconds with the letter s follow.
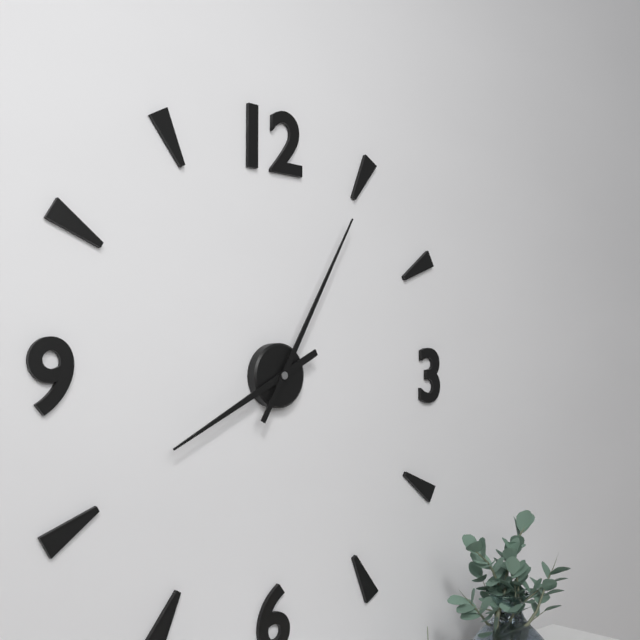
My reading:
8h05
